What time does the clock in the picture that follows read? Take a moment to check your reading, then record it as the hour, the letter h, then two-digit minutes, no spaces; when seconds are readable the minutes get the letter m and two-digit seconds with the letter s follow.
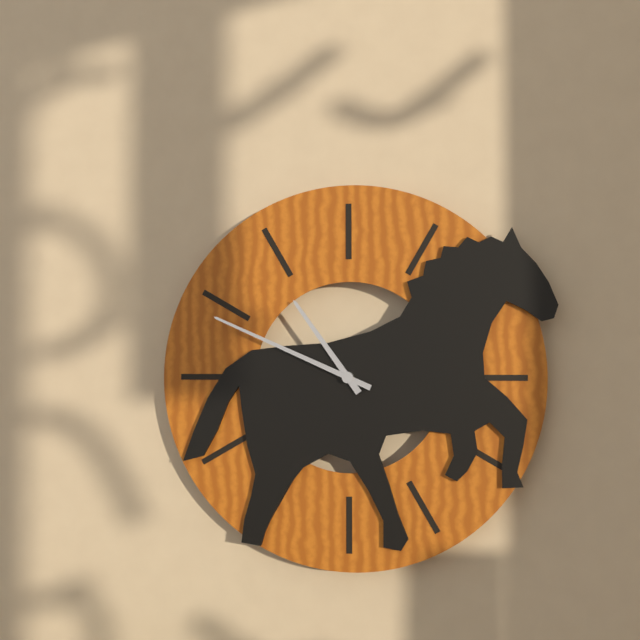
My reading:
10h49
